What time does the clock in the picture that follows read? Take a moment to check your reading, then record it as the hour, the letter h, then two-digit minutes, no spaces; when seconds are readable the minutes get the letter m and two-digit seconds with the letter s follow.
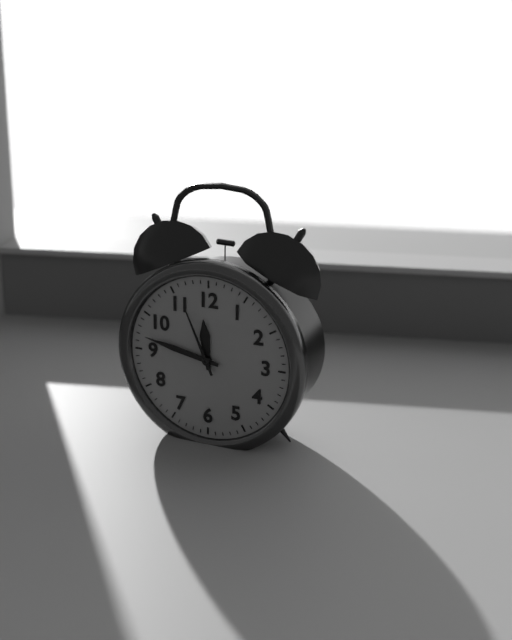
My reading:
11h47m56s
